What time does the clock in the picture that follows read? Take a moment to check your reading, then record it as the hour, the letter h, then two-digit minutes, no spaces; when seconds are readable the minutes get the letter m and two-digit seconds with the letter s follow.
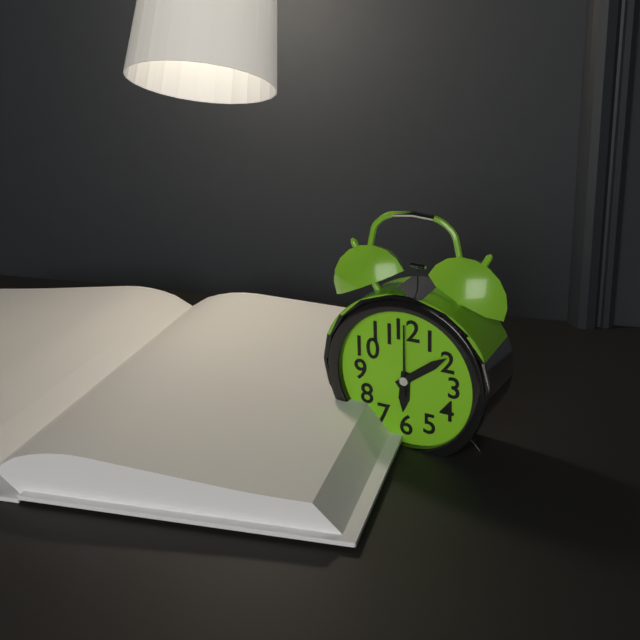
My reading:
6h09m00s
